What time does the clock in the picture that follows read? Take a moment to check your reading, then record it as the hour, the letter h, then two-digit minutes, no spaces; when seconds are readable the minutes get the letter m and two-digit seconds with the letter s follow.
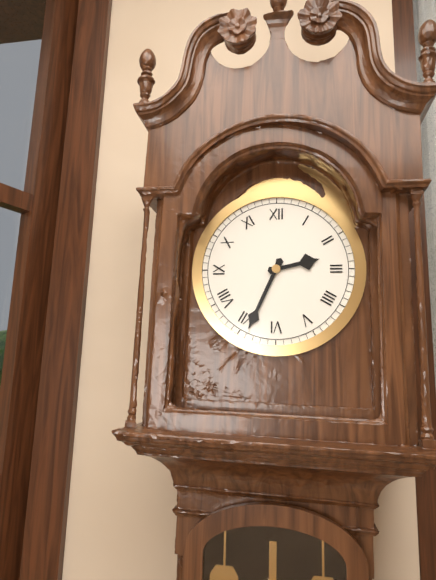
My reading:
2h34
